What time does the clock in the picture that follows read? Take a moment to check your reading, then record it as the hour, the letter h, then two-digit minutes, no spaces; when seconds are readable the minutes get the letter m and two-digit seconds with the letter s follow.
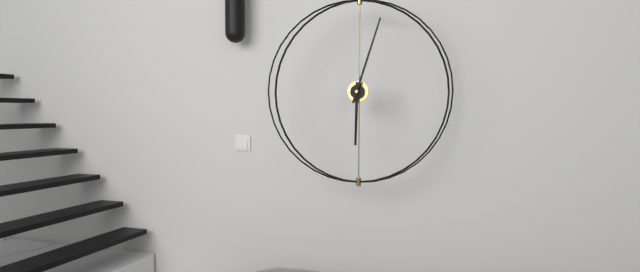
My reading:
6h03
